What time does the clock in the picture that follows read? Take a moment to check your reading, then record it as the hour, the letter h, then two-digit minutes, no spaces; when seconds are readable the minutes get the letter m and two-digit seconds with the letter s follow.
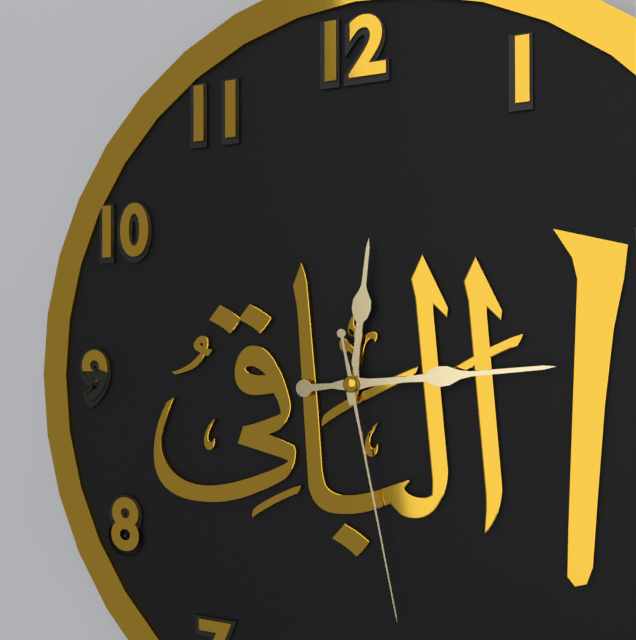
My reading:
12h14m28s
